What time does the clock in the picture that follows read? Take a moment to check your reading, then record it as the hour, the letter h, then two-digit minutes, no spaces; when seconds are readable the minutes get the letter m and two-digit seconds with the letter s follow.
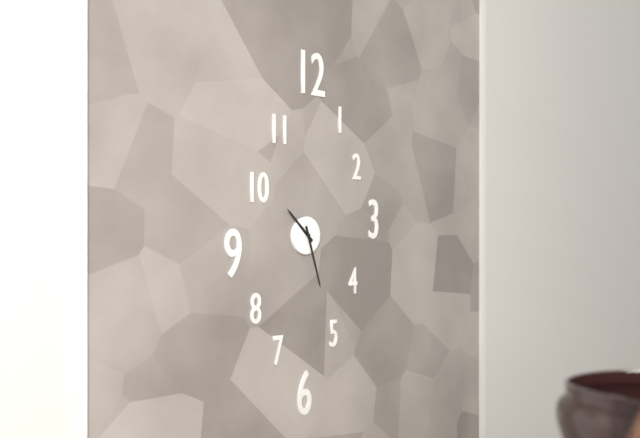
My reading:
10h27
